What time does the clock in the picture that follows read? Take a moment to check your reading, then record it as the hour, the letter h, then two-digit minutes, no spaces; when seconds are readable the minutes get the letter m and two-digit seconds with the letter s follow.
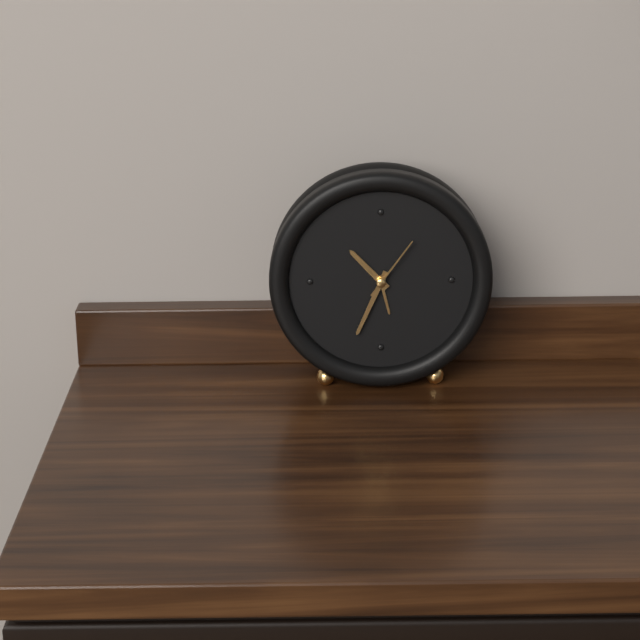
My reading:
10h34m06s
